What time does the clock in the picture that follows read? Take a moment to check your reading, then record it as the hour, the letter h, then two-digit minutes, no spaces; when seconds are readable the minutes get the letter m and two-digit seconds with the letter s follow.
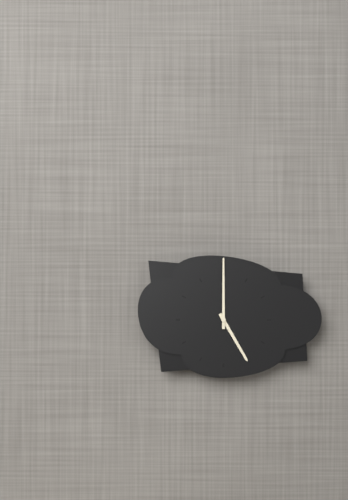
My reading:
5h00
